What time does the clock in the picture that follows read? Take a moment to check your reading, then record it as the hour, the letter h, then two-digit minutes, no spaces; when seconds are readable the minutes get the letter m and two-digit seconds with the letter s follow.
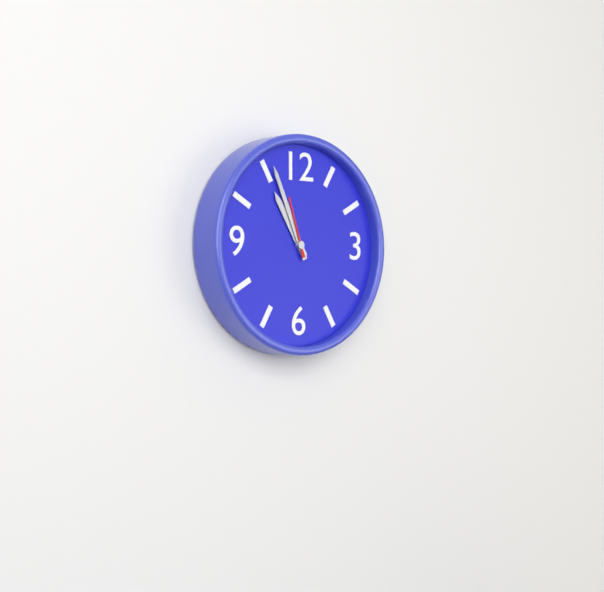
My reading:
10h56m57s
